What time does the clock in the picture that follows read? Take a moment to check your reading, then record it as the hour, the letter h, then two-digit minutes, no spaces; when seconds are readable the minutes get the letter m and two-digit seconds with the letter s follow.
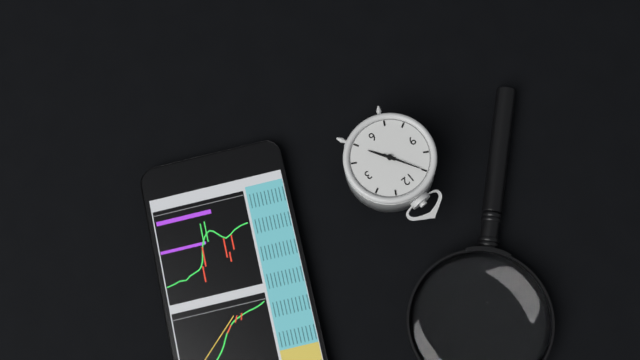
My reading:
4h55
